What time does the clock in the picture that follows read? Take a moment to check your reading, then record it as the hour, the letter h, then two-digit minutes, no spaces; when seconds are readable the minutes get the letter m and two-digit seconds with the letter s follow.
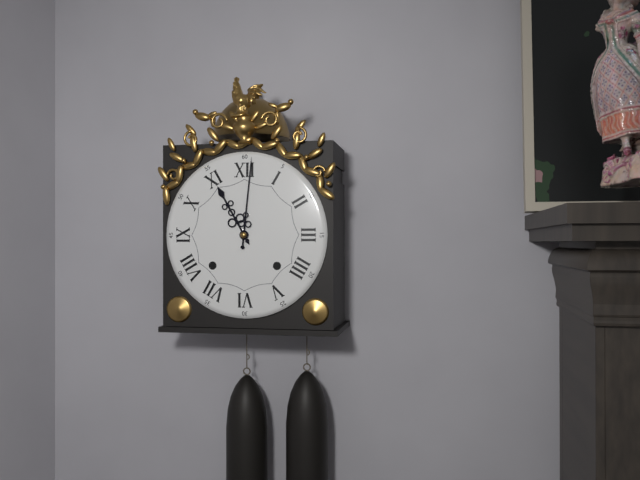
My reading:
11h01
